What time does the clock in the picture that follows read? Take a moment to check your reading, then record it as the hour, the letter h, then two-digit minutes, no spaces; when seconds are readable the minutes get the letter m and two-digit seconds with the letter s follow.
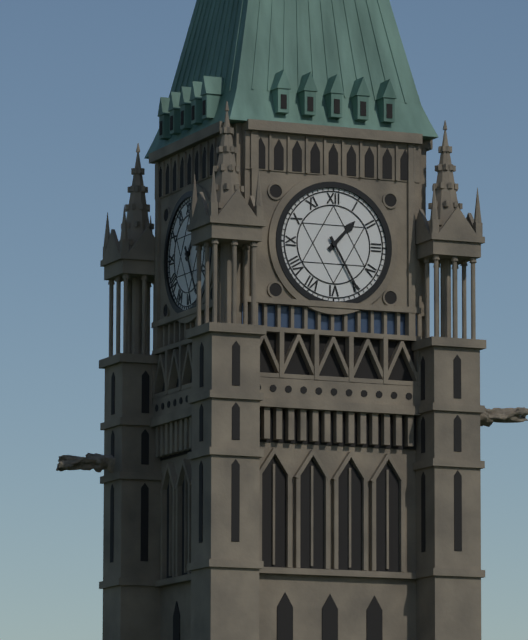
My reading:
1h25
